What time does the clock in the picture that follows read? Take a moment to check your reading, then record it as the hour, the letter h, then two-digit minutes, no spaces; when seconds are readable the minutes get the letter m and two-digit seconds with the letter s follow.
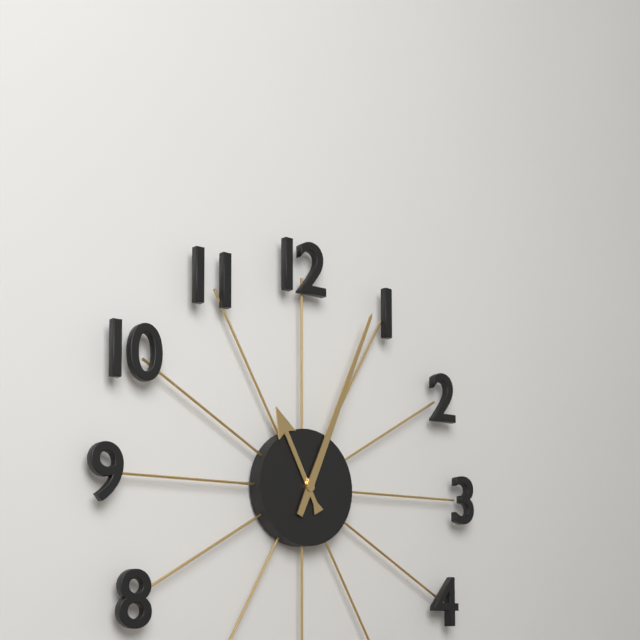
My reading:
11h04
